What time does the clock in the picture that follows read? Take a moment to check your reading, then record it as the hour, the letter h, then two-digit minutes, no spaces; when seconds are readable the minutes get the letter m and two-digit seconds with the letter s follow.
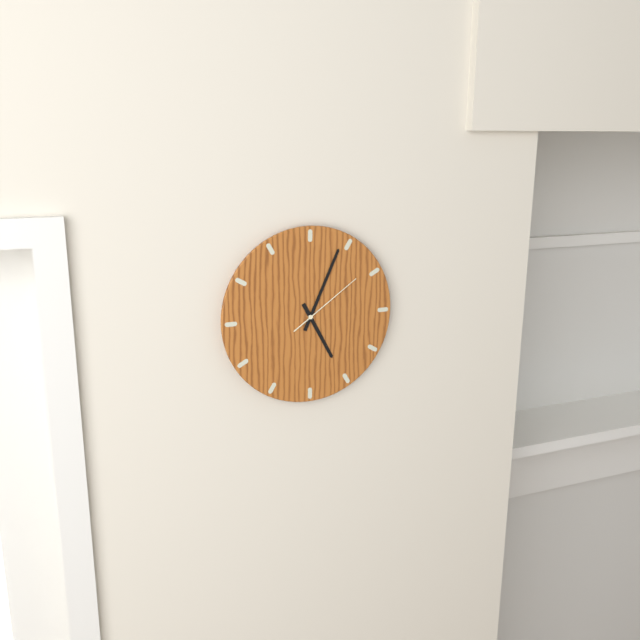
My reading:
5h04m09s
